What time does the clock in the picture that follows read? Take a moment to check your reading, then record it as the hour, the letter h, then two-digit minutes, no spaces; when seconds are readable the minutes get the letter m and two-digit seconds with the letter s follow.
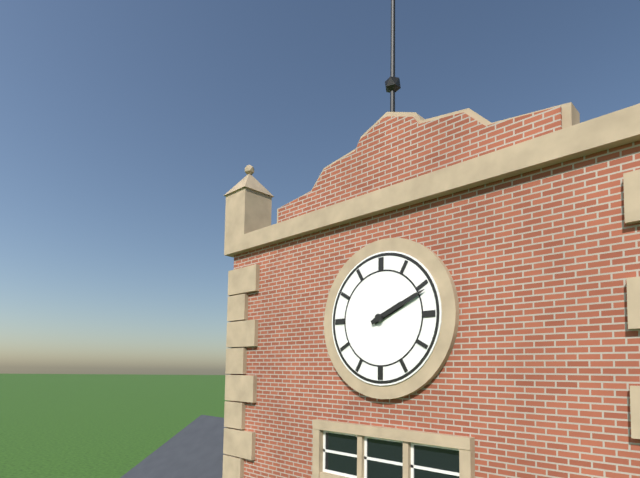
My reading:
2h11
